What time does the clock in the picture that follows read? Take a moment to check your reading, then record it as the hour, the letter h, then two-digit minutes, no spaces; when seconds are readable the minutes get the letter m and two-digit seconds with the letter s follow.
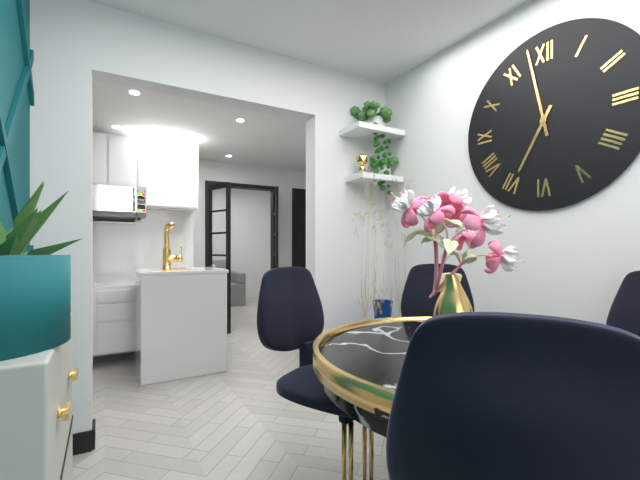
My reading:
6h58
